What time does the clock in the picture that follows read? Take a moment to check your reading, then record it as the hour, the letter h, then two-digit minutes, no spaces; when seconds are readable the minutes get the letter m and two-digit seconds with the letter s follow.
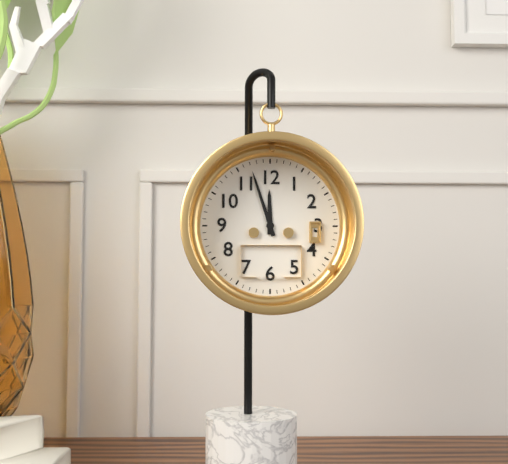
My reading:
11h57
